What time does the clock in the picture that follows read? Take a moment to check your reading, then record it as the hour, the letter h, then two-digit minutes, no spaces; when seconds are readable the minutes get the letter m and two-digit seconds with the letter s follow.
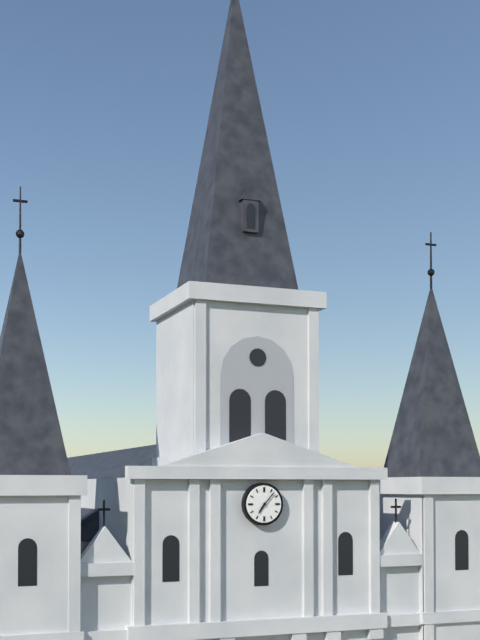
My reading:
7h07
